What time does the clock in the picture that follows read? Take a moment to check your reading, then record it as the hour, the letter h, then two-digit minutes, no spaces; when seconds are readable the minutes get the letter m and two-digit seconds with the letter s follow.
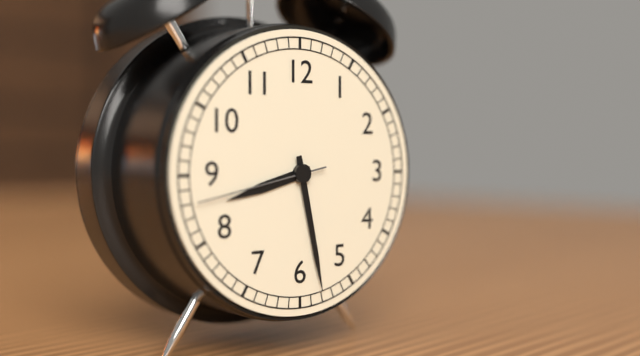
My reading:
8h28m43s
